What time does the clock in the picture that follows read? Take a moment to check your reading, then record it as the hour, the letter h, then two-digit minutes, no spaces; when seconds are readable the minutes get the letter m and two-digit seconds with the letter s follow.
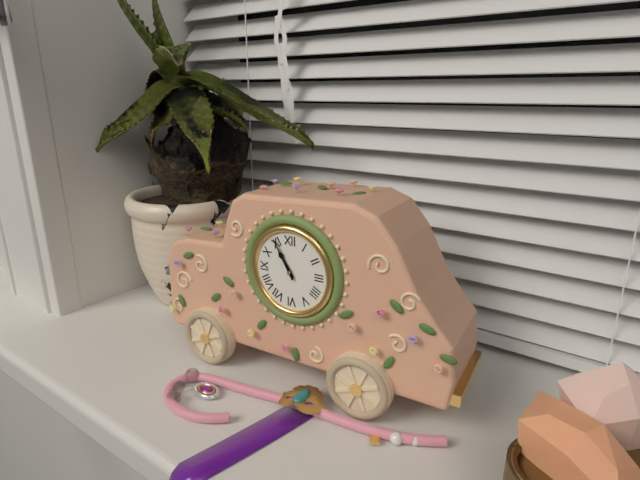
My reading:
10h55
